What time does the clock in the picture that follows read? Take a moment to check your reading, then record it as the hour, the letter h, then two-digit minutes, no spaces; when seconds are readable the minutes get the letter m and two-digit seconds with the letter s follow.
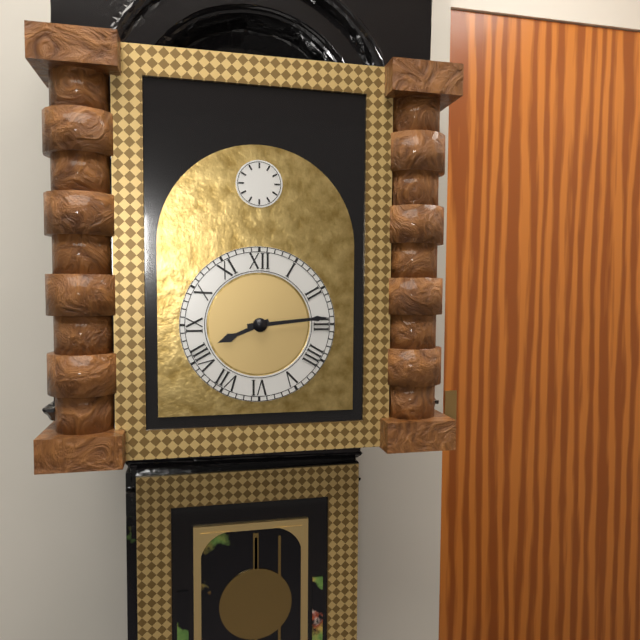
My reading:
8h14
